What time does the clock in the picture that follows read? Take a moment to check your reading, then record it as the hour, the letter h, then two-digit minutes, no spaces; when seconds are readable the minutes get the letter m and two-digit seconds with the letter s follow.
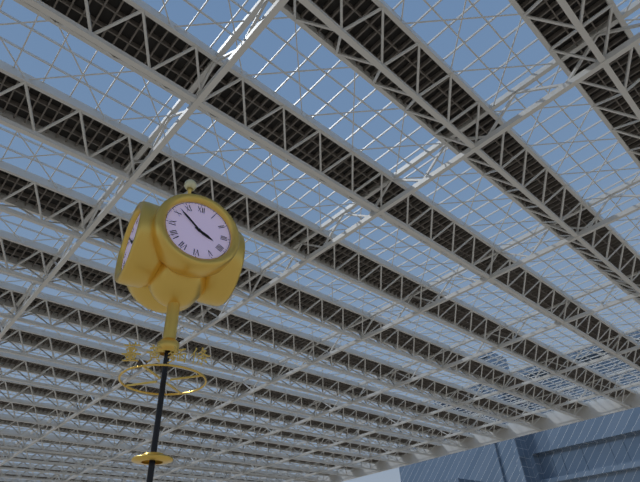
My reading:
3h52
